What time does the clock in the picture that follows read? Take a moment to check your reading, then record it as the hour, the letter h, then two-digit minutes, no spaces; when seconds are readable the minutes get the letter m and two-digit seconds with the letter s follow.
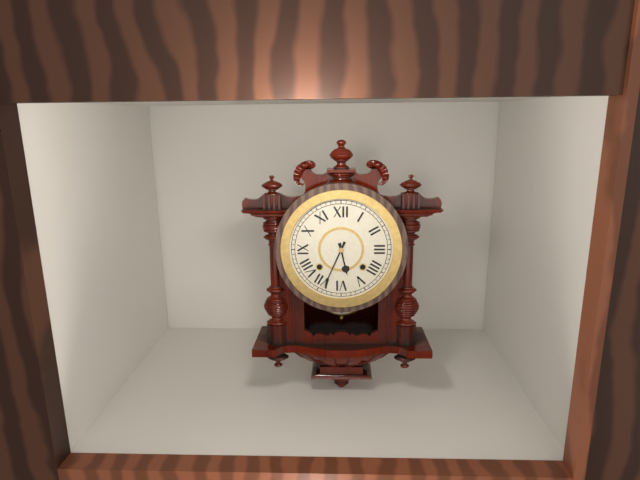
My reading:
5h34
